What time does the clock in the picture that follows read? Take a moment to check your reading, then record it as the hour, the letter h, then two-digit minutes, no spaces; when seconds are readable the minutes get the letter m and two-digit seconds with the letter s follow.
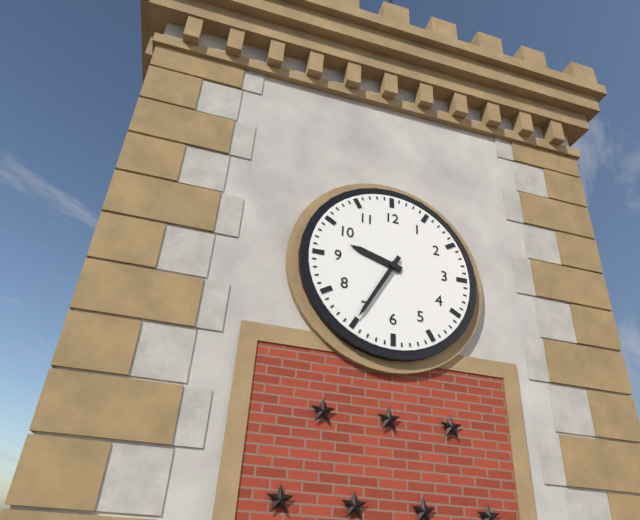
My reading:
9h35
